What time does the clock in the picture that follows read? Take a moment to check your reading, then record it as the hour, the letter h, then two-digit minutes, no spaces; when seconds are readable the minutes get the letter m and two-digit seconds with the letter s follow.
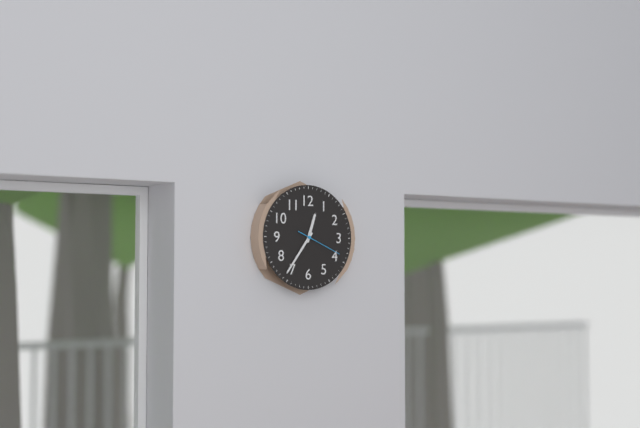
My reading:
12h36
